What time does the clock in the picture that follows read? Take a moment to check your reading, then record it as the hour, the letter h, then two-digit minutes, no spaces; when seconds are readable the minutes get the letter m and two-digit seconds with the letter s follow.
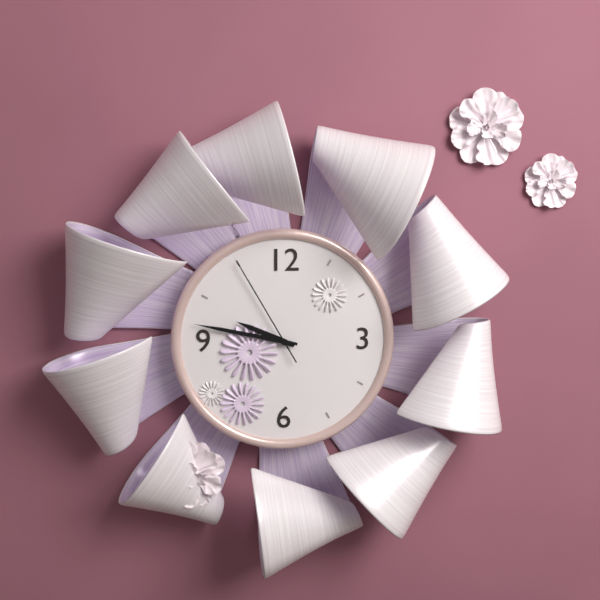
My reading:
9h47m55s
